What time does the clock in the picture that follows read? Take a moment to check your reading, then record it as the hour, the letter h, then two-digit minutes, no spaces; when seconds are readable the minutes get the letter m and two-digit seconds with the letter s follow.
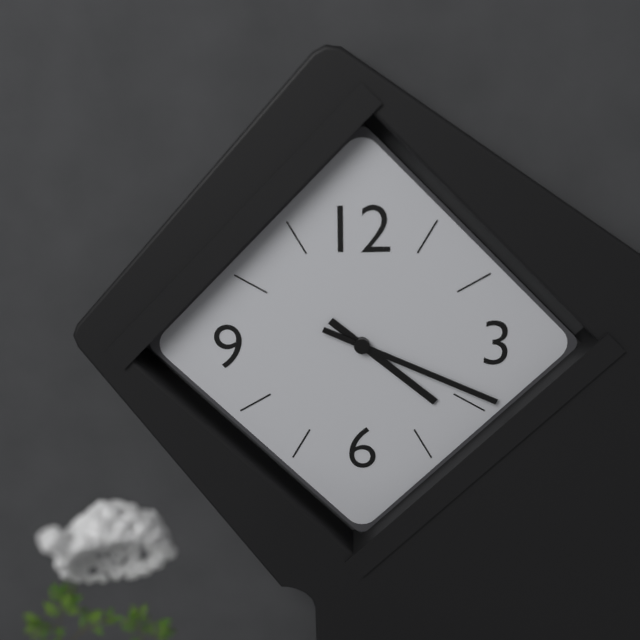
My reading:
4h19
